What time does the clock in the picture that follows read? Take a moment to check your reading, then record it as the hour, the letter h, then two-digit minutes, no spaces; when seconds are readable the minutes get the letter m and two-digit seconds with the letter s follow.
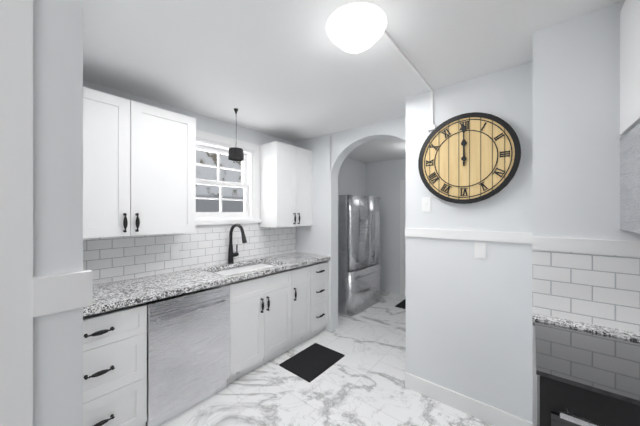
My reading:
12h00
